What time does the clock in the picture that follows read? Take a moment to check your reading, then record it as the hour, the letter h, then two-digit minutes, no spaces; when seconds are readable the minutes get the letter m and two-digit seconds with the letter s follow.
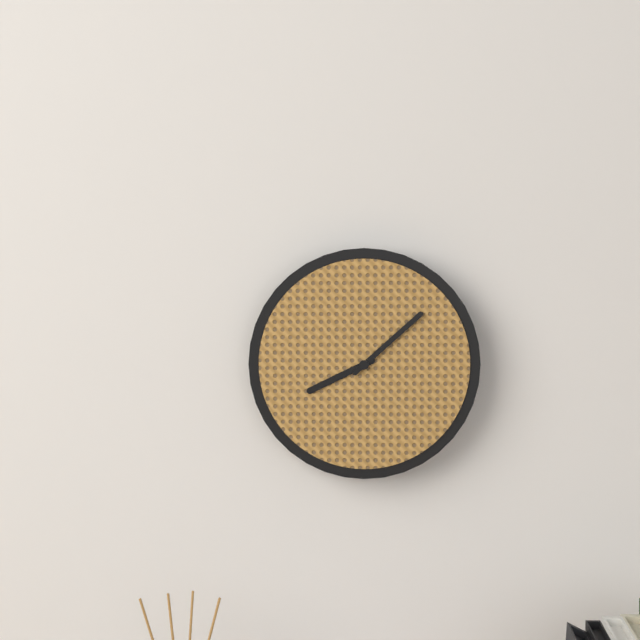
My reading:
8h08
